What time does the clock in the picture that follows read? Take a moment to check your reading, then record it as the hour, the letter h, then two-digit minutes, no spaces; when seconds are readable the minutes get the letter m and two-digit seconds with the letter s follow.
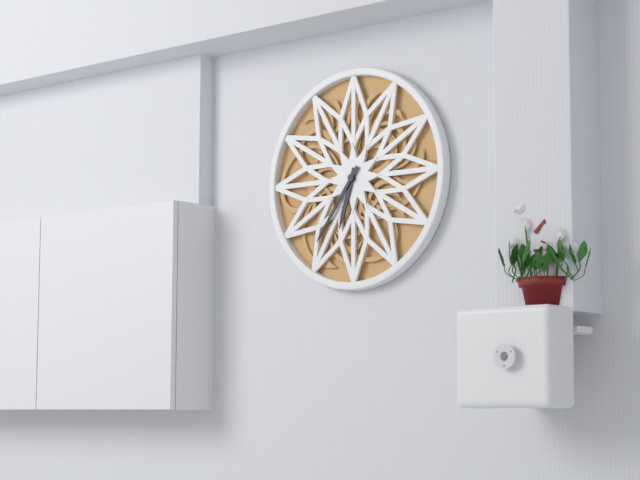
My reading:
6h36
